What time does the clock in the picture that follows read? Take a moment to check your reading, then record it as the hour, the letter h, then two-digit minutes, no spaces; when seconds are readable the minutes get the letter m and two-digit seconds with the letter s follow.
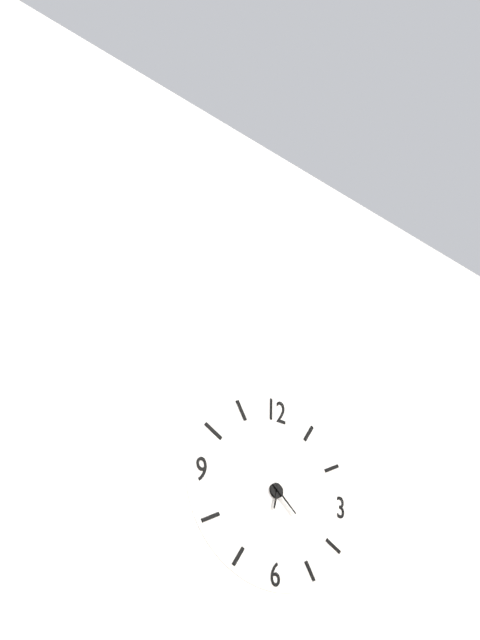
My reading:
6h22
